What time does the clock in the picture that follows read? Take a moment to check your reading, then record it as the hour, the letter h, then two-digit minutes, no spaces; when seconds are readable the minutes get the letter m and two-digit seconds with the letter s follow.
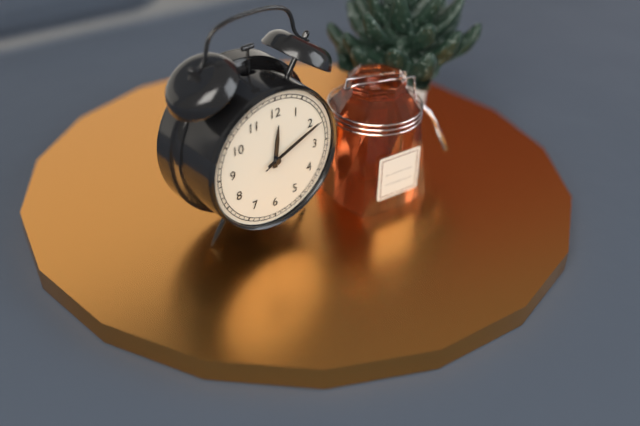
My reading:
12h11m11s
